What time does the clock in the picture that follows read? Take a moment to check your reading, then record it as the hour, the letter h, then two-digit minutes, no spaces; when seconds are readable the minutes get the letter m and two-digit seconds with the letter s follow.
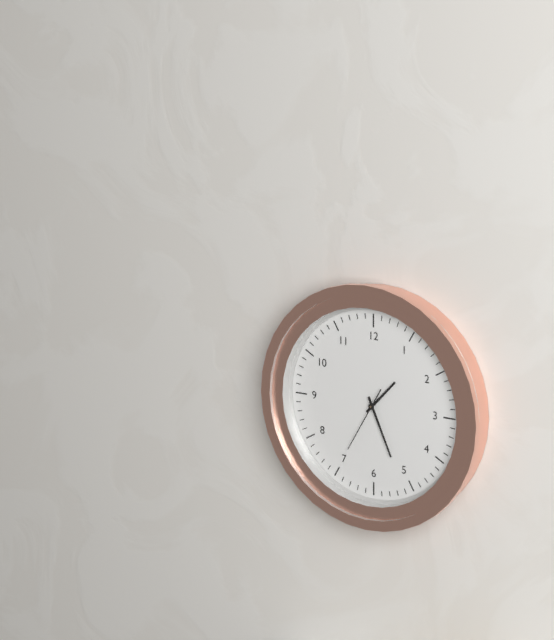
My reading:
1h26m35s
